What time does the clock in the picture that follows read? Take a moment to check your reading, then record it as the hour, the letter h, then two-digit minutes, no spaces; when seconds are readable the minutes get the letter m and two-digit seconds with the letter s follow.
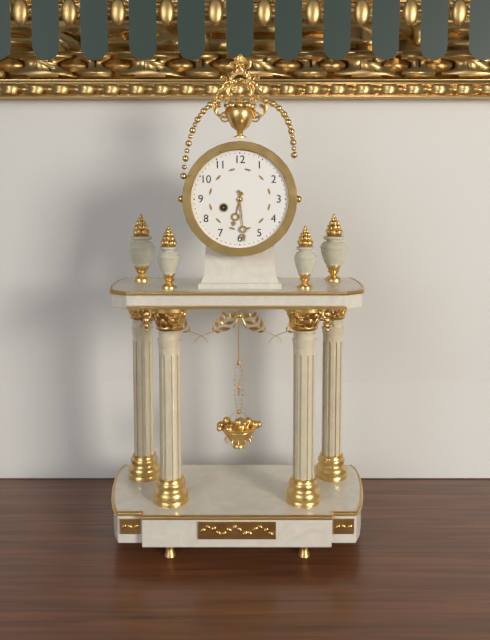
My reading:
6h29
